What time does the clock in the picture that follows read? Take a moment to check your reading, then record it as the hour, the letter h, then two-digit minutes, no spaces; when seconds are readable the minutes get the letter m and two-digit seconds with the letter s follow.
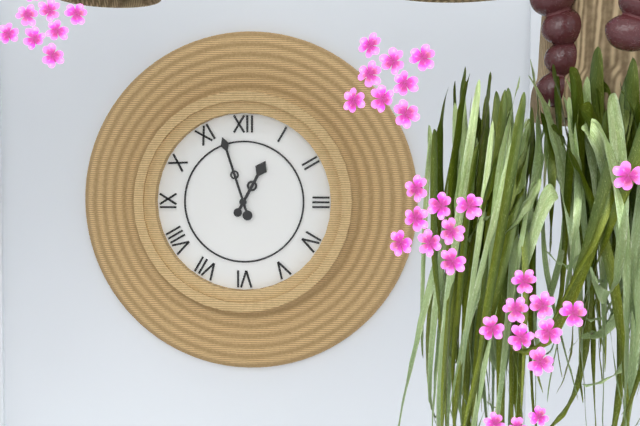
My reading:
12h57
